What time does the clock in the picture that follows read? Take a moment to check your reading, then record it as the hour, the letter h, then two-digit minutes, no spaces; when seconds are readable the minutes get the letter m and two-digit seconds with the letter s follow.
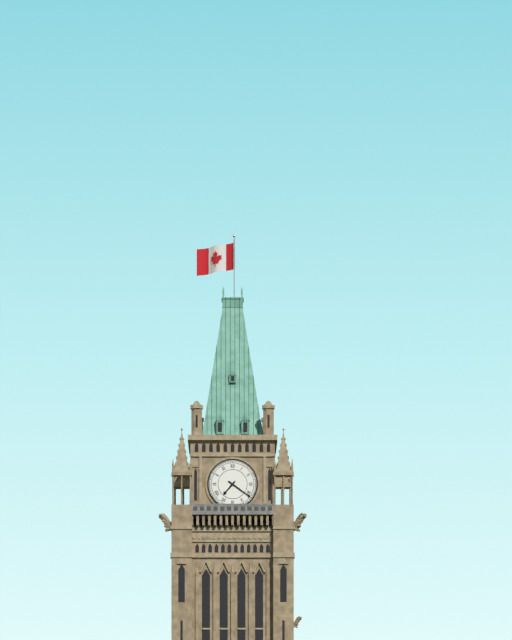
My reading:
7h21
